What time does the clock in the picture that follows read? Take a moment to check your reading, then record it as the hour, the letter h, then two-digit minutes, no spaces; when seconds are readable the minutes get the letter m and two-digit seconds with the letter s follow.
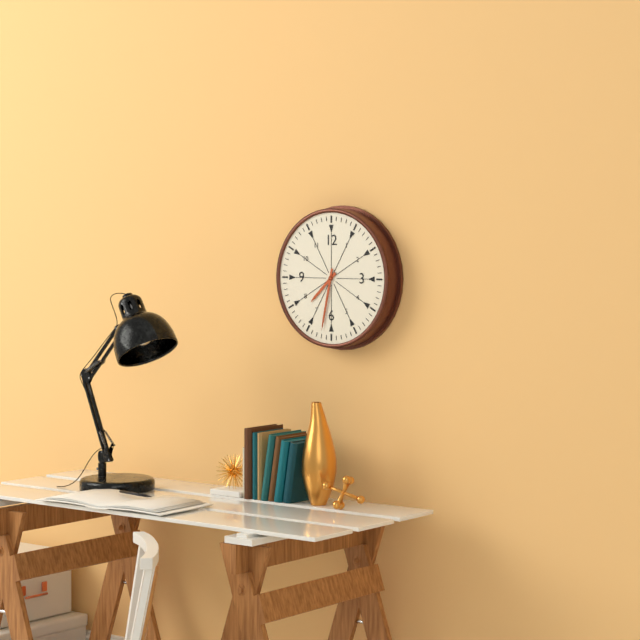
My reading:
7h32
